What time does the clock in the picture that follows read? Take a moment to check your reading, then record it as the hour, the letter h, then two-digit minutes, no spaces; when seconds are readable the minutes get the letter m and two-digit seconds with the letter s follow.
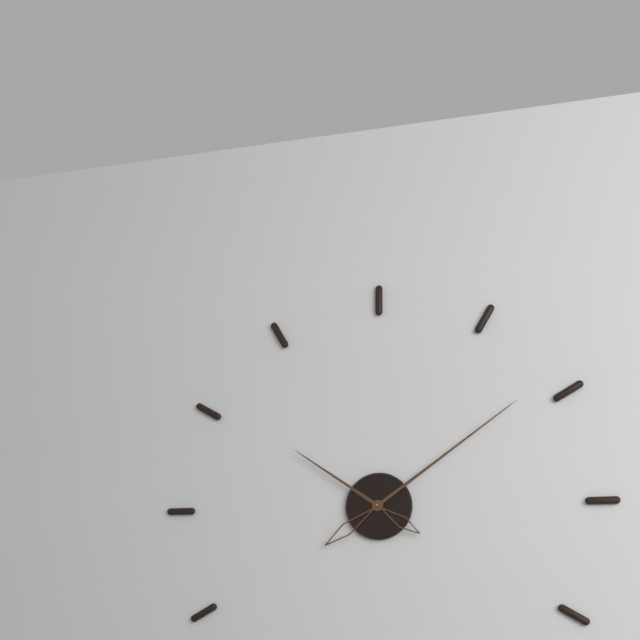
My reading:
10h09
